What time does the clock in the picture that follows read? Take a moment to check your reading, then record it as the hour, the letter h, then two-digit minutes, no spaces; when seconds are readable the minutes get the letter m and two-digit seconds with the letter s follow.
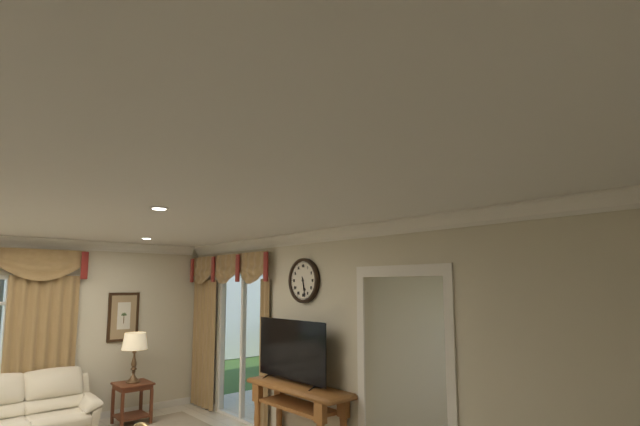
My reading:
5h28
